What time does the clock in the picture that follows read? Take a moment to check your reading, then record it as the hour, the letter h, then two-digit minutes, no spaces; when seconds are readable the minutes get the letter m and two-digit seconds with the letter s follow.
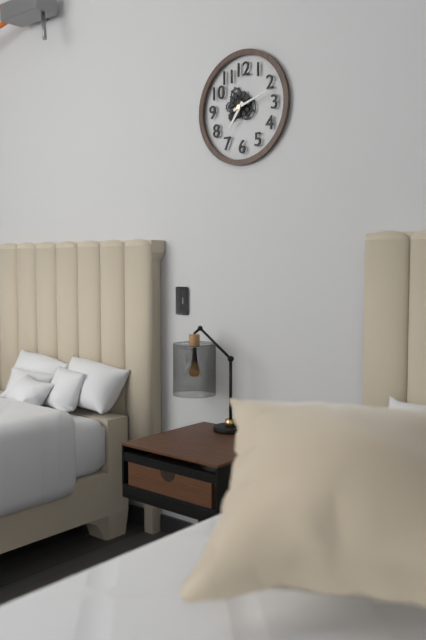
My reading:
7h12
